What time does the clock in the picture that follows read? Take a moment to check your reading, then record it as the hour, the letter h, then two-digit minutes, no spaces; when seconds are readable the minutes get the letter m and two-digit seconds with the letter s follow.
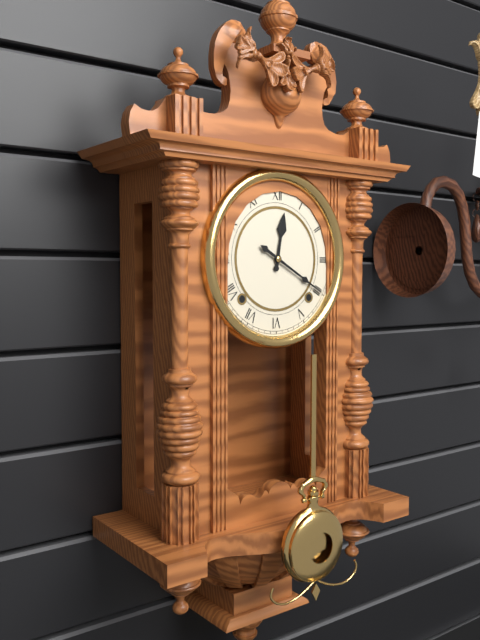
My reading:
12h20
